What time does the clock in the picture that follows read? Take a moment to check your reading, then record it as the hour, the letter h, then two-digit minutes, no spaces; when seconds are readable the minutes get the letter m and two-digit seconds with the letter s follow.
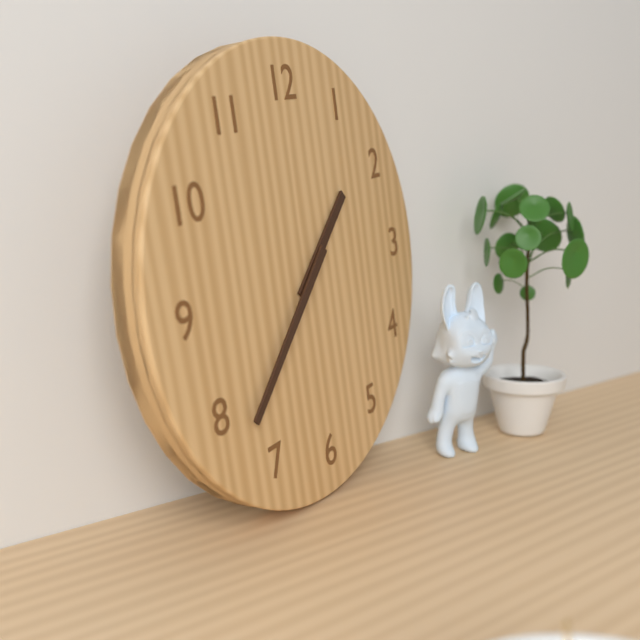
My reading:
1h38
